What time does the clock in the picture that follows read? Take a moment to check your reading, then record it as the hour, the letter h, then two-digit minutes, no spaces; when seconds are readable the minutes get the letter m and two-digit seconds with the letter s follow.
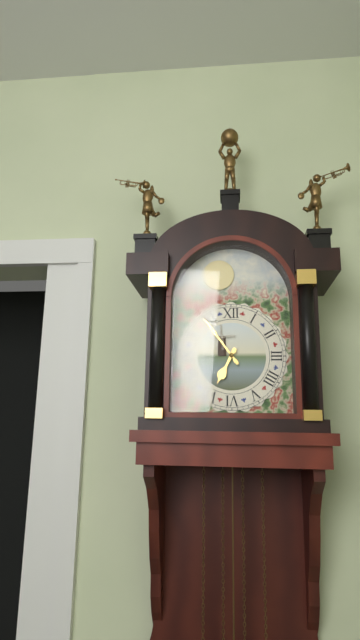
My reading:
6h54
